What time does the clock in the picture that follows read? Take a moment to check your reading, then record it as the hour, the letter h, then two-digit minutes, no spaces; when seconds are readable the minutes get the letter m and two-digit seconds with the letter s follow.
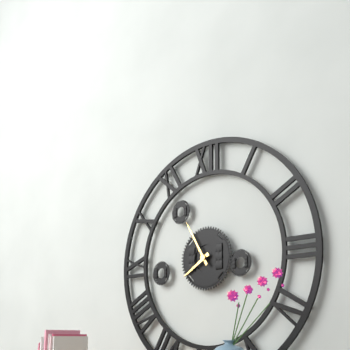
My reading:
7h55
